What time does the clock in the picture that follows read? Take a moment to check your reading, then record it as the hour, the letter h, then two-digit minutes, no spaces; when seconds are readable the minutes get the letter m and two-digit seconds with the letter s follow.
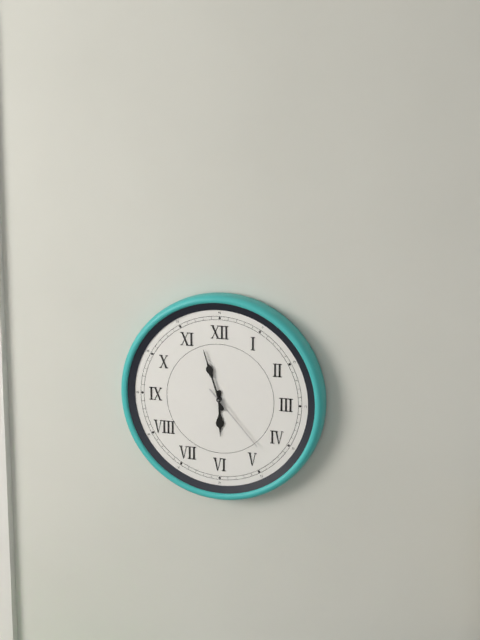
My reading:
5h57m23s
